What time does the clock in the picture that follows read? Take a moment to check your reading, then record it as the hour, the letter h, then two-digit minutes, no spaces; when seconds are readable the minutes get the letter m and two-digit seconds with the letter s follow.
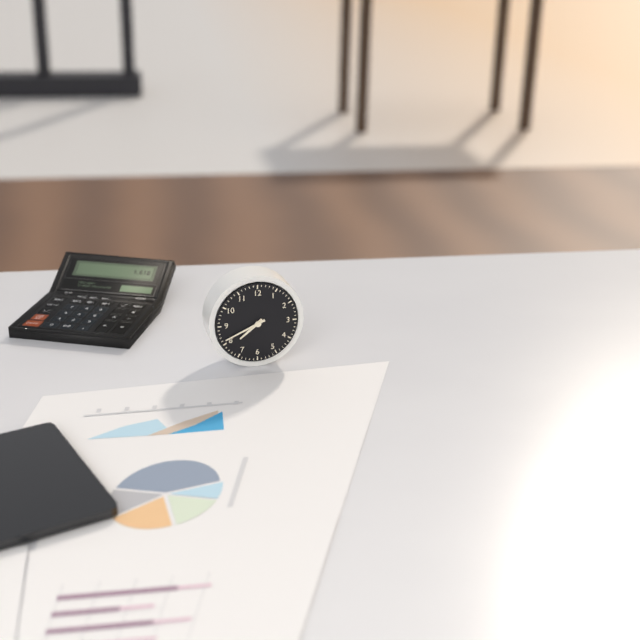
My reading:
7h41
